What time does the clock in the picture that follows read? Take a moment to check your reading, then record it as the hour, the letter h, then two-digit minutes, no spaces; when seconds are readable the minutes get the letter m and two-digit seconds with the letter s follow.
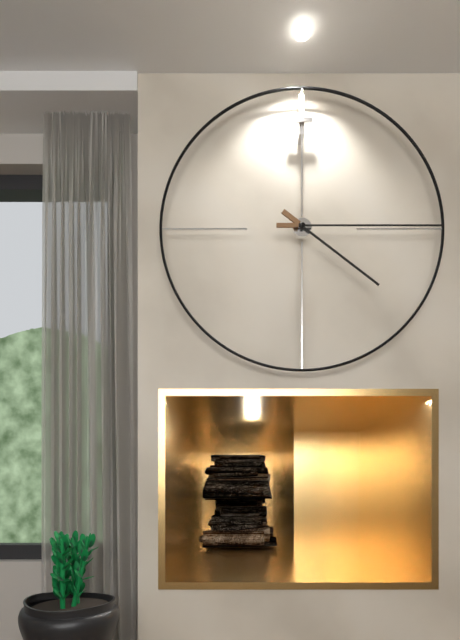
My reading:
4h15
